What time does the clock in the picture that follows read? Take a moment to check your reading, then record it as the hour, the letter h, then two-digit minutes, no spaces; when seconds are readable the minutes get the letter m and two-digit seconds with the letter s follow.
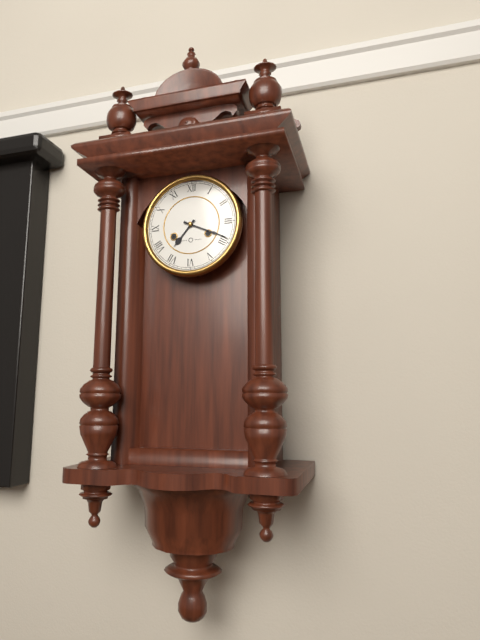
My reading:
7h19
